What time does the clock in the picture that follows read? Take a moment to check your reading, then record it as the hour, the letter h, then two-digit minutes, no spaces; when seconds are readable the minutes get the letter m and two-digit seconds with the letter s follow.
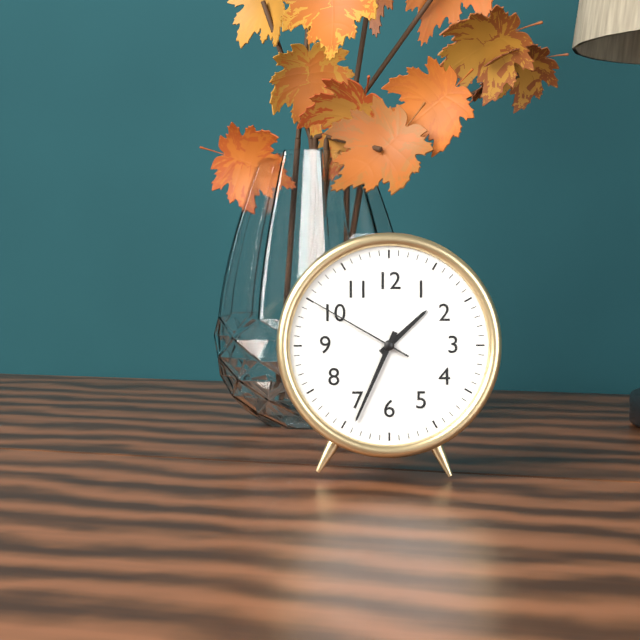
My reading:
1h34m50s
